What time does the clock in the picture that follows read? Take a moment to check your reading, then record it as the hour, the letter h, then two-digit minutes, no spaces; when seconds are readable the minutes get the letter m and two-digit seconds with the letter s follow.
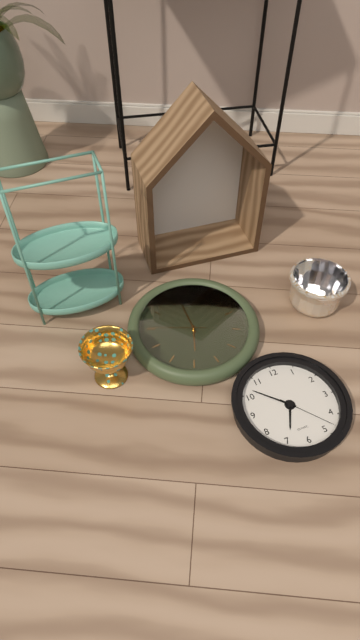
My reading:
6h52m23s
